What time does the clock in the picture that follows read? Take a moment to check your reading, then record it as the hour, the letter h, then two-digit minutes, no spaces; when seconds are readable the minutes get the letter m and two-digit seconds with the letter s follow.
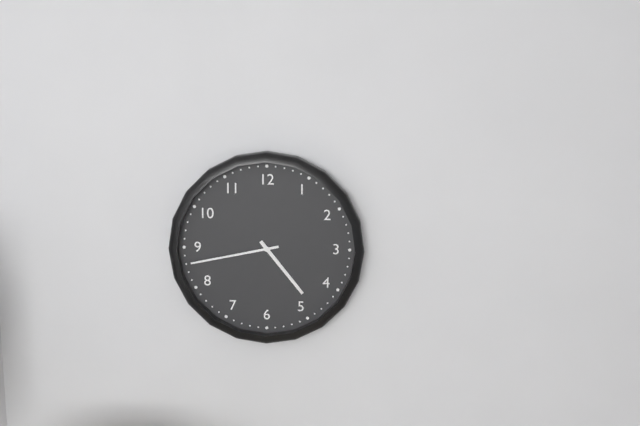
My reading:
4h43
